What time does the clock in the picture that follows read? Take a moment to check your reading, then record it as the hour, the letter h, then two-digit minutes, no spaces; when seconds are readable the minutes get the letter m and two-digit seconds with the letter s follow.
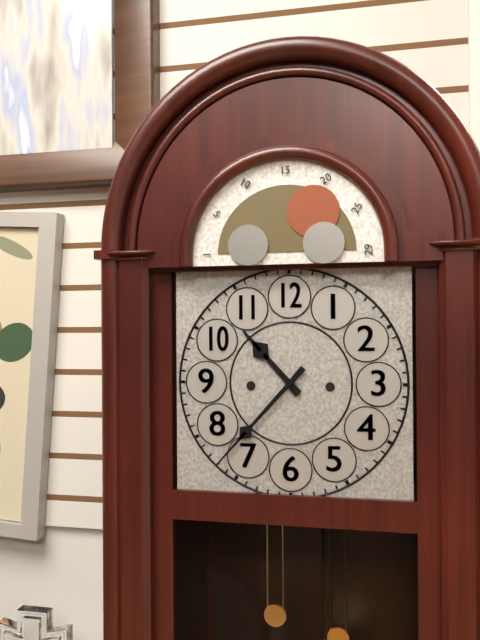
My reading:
10h37
